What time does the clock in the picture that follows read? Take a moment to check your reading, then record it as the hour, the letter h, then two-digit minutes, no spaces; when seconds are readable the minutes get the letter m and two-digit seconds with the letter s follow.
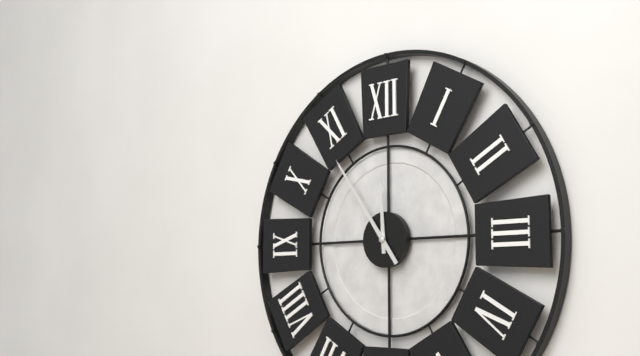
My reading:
11h54
